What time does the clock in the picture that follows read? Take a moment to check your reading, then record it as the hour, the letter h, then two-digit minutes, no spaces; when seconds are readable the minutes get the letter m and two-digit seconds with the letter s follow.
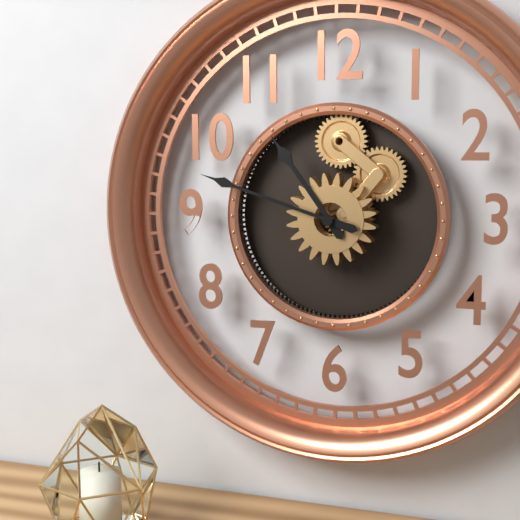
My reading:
10h48
